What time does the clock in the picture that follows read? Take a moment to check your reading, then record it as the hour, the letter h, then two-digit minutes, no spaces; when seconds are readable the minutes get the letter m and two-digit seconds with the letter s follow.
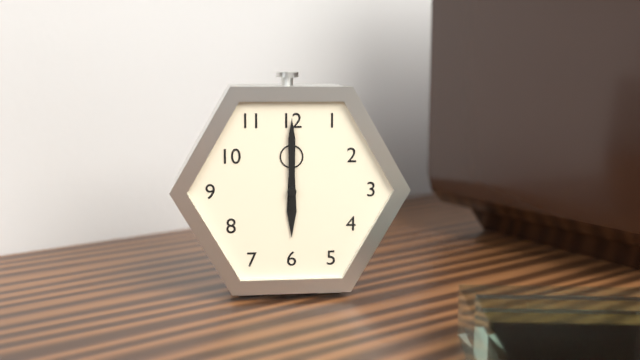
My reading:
6h00
